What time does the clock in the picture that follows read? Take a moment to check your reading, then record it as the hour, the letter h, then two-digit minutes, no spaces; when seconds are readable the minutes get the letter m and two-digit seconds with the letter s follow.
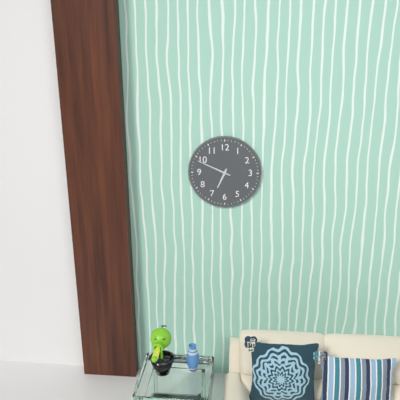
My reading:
6h49
